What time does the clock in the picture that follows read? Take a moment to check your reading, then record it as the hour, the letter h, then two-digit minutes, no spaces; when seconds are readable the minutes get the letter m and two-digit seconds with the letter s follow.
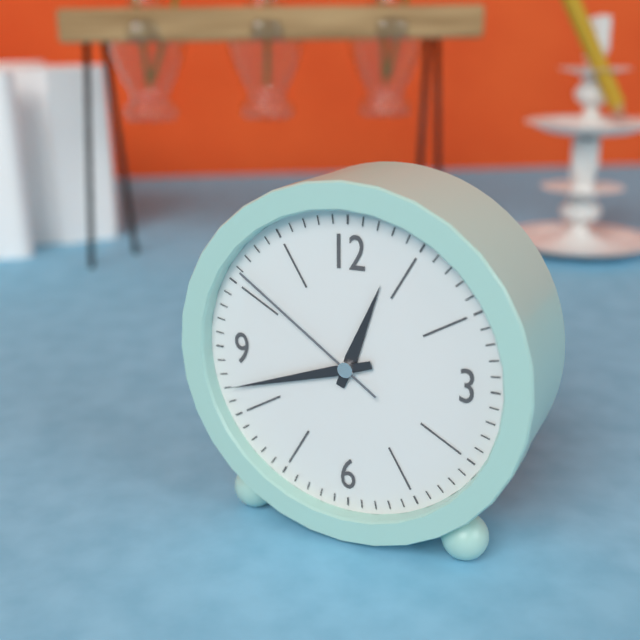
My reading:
12h42m51s
